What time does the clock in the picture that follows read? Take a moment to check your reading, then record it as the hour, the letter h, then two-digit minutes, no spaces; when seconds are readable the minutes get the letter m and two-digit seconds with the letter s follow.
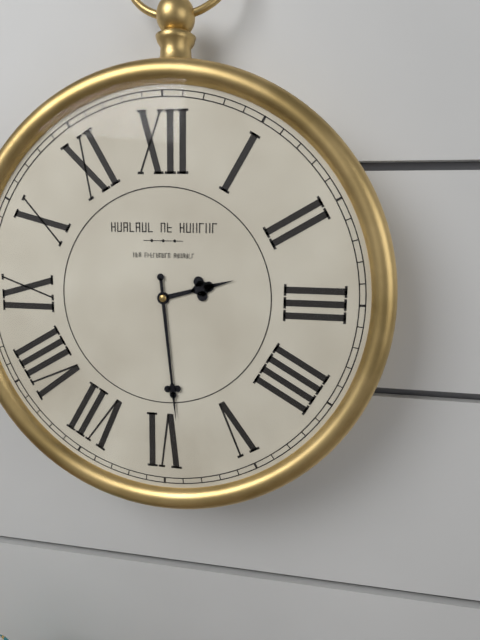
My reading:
2h29
